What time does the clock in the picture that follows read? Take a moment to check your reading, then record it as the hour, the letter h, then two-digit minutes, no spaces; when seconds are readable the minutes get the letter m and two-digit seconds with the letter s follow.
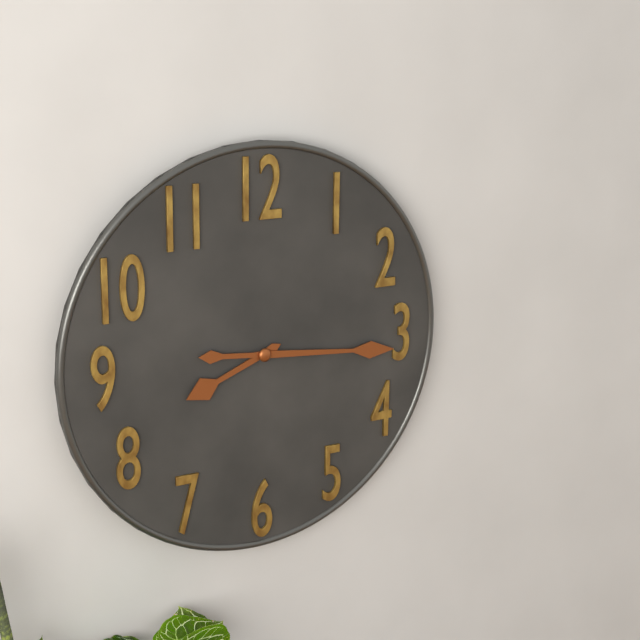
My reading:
8h16
